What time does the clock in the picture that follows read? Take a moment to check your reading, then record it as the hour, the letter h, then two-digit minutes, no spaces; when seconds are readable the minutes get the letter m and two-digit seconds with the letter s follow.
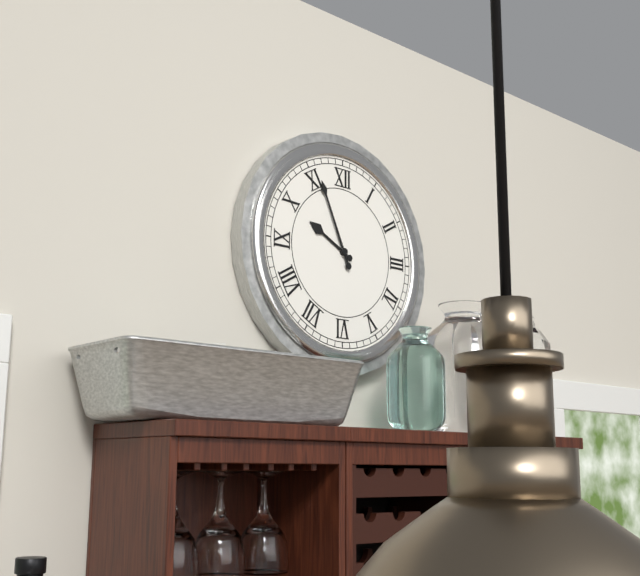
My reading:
9h56
